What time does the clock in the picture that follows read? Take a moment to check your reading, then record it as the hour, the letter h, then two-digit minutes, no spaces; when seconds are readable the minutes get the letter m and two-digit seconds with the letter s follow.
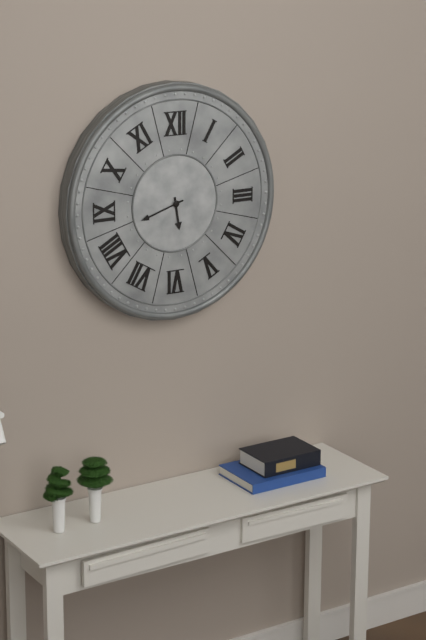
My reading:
5h42
